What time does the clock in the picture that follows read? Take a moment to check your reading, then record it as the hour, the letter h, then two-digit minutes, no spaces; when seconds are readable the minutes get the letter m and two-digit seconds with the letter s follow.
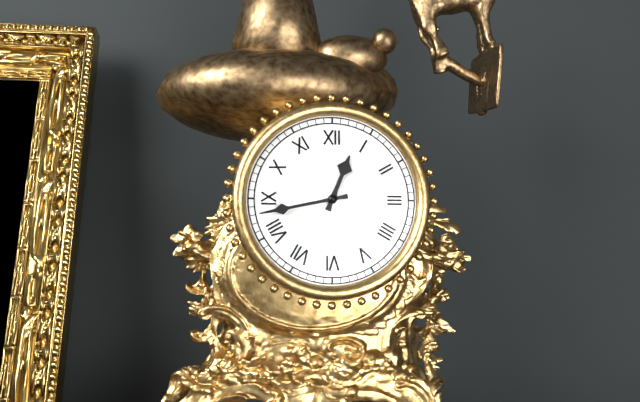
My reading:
12h43
